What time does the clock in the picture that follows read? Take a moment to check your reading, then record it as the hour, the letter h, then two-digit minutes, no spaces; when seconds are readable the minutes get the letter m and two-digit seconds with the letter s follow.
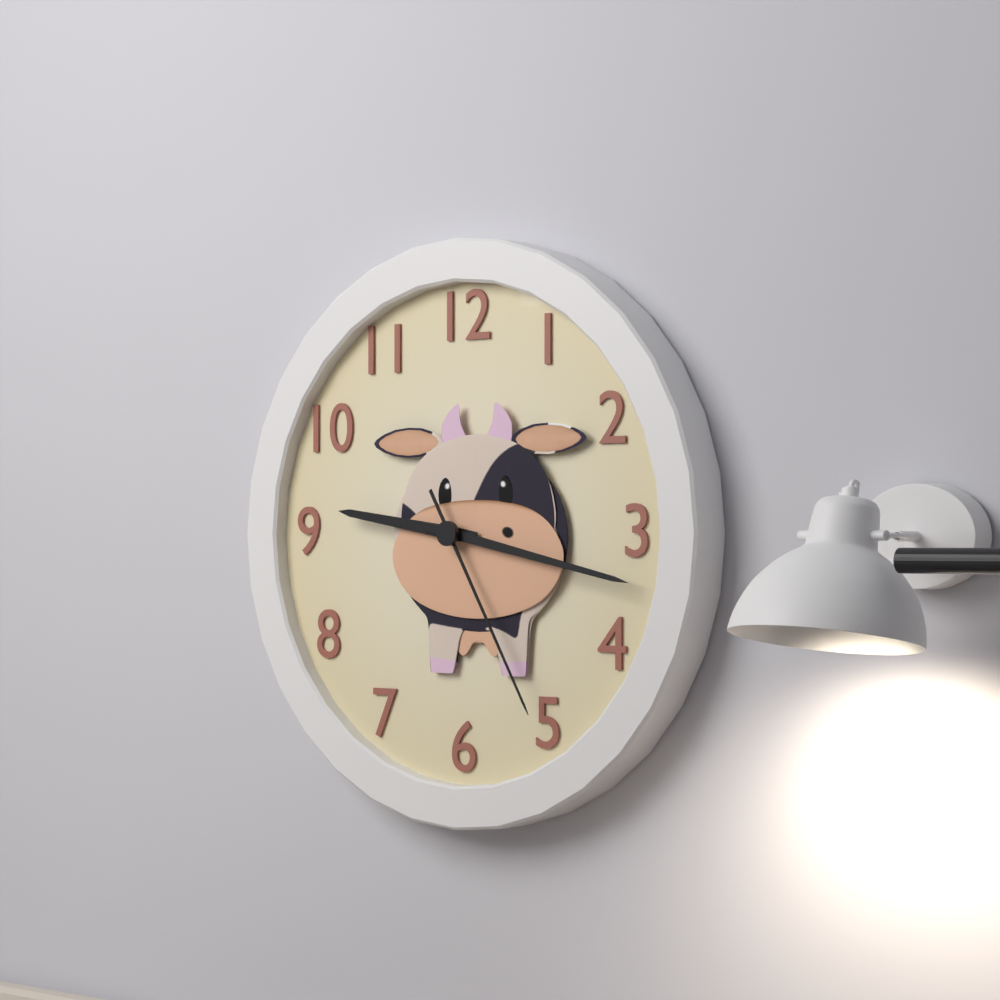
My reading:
9h17m25s
